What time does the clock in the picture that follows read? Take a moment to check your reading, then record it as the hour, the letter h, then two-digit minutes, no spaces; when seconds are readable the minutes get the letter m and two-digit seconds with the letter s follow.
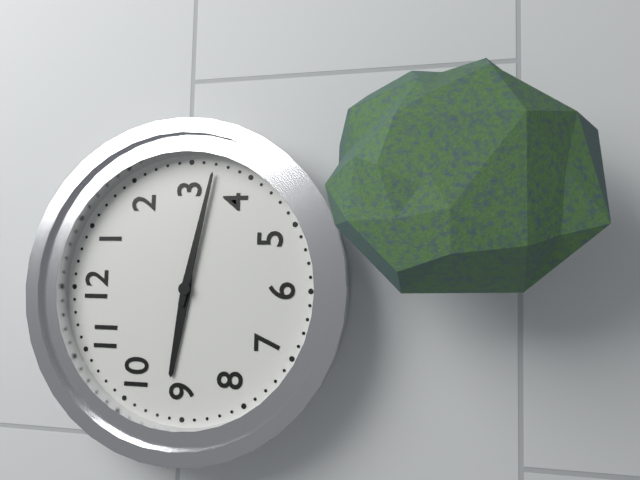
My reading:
9h17
